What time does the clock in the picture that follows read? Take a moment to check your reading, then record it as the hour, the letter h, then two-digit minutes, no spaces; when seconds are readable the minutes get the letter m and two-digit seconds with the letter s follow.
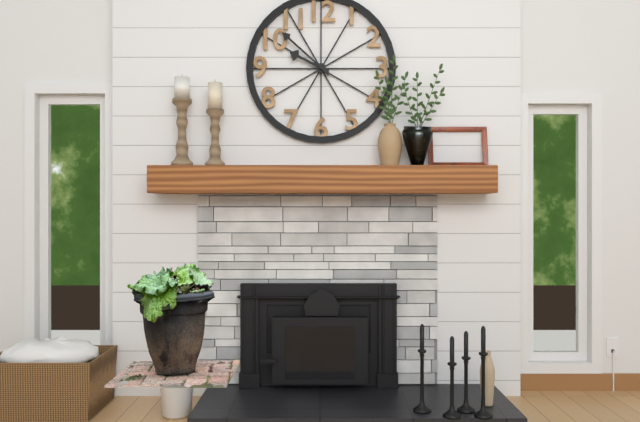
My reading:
9h52
